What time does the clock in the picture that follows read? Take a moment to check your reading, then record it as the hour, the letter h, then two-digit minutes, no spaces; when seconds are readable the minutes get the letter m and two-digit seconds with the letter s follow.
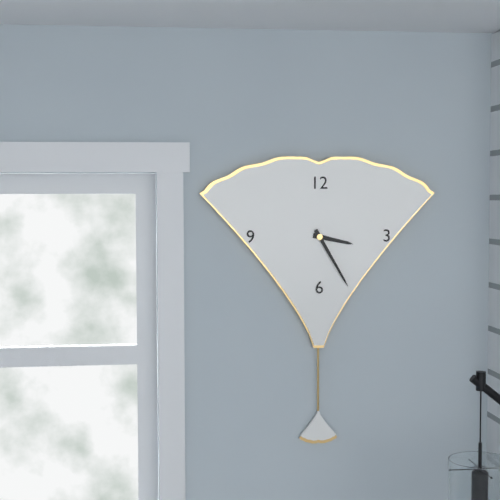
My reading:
3h25
